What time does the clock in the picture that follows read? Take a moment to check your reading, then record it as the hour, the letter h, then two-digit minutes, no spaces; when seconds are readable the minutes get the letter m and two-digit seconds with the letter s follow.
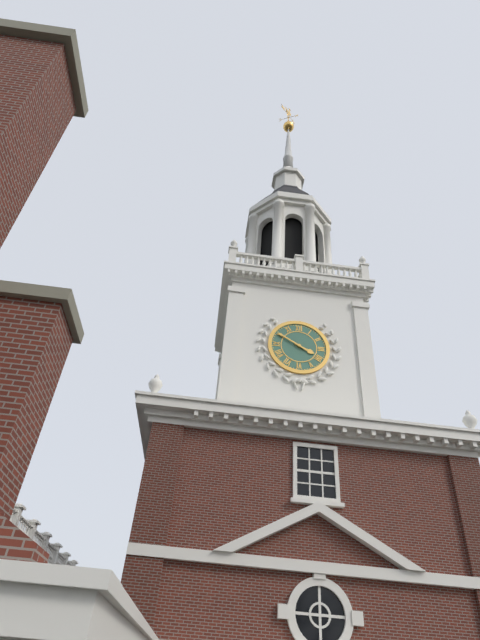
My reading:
3h50
